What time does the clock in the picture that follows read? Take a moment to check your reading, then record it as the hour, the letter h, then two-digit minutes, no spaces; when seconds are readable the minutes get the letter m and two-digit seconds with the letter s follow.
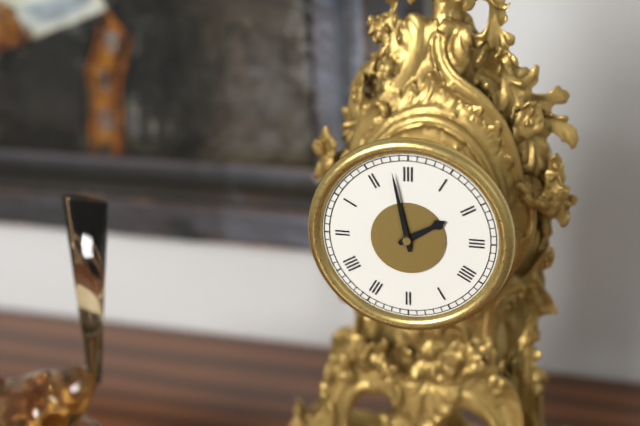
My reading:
1h58
